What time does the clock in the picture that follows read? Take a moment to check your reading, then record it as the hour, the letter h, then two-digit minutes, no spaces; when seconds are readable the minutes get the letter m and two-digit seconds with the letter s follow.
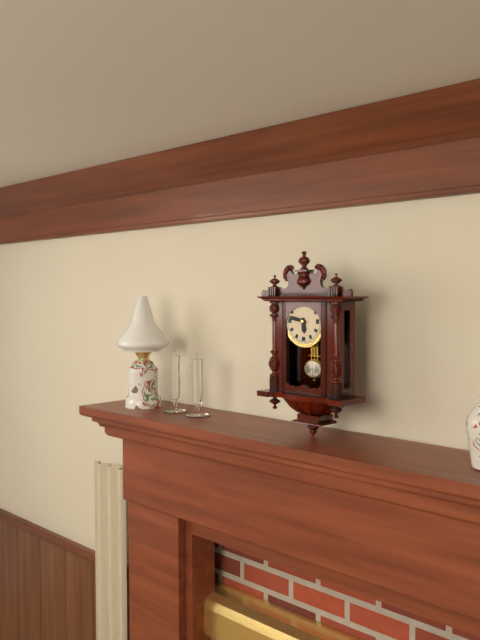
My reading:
5h47
